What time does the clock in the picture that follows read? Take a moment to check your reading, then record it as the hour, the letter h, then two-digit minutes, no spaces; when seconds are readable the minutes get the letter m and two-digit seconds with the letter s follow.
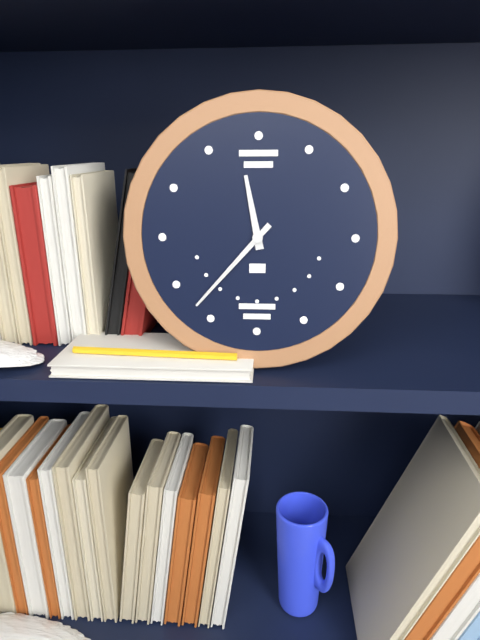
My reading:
11h37
